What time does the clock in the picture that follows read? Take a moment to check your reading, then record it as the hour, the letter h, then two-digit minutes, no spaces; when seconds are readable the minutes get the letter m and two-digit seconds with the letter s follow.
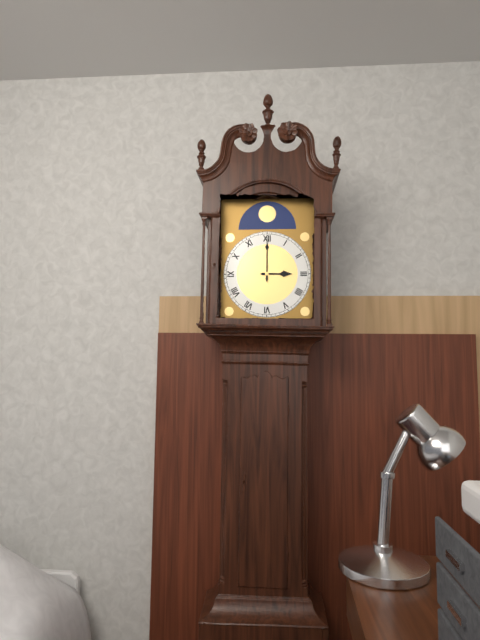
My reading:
3h00
